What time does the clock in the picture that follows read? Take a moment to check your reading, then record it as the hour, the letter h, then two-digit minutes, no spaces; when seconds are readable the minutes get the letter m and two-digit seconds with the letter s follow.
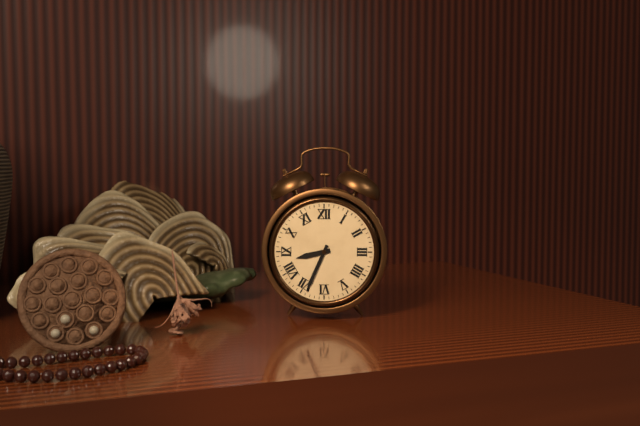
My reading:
8h34
